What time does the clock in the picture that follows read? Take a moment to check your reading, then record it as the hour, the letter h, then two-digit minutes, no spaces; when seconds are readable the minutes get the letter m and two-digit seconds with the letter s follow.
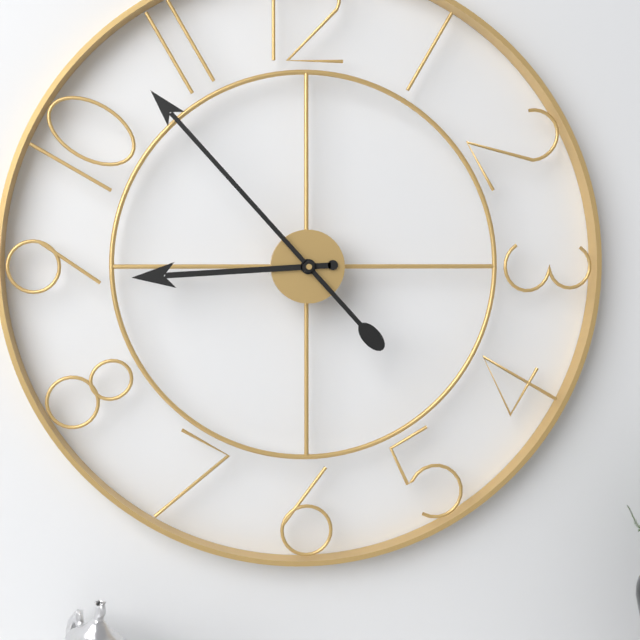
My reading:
8h53
